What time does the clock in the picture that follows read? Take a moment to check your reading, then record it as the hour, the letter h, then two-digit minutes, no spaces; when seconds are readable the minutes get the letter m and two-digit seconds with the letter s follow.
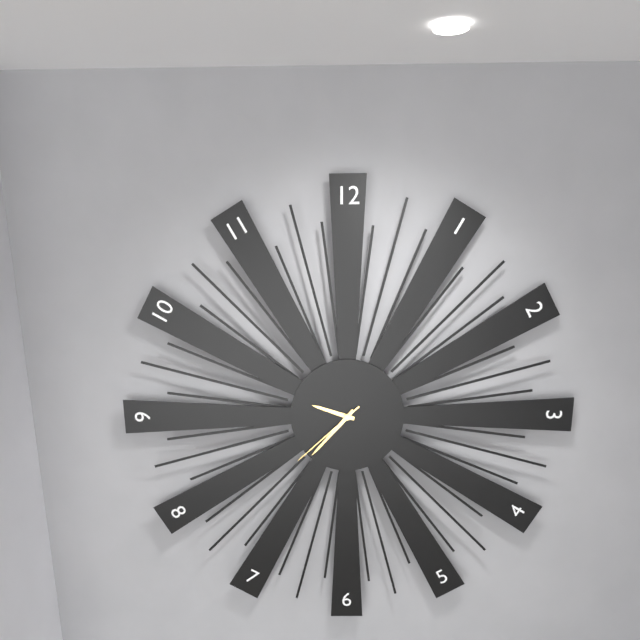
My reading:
9h37m38s
